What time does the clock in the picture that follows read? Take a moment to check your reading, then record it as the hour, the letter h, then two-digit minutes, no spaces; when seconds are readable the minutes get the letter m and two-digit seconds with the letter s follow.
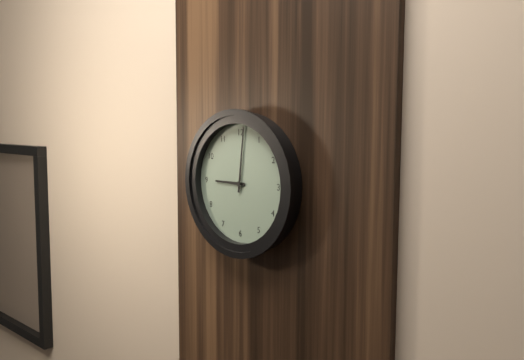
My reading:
9h01
